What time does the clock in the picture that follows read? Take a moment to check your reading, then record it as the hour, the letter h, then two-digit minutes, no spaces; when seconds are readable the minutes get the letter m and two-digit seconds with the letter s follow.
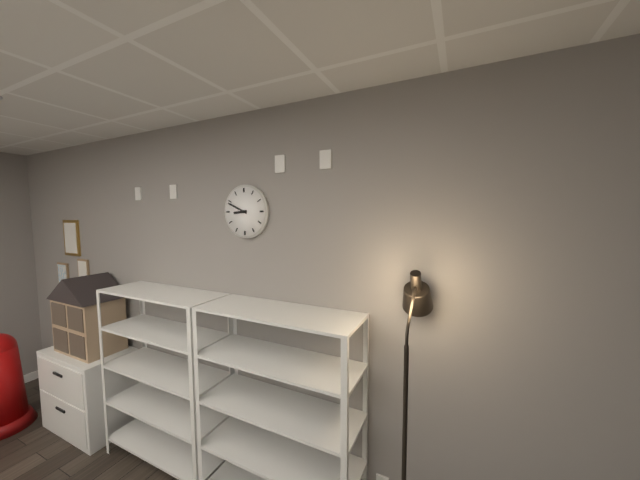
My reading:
8h49
